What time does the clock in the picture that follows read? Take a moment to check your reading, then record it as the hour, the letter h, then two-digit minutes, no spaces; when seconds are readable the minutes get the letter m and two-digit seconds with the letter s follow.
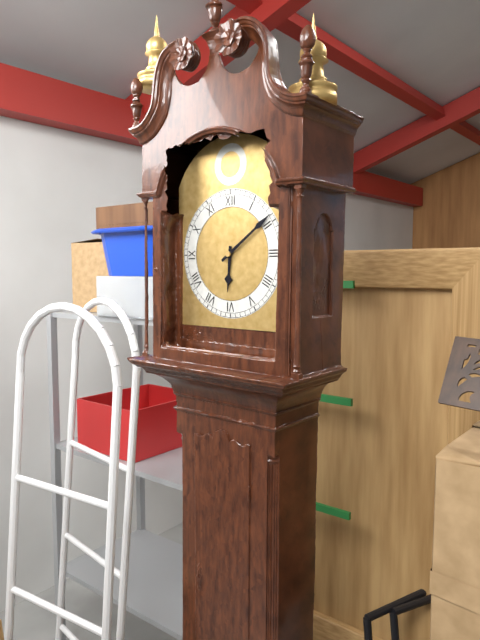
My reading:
6h09
